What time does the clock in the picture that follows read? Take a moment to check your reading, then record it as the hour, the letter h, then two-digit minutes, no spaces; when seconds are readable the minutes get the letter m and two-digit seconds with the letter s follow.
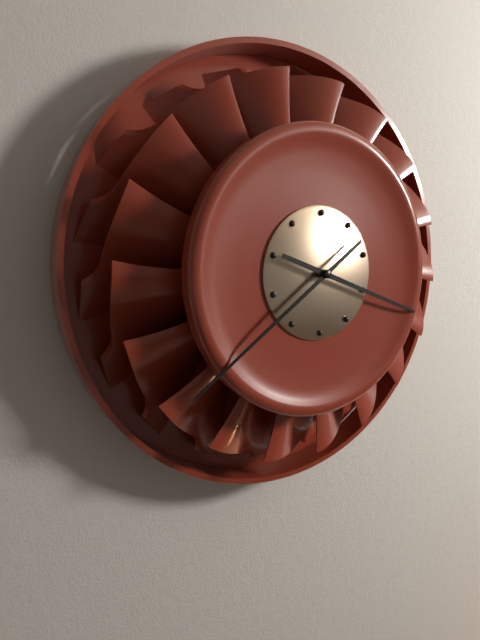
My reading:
3h39
